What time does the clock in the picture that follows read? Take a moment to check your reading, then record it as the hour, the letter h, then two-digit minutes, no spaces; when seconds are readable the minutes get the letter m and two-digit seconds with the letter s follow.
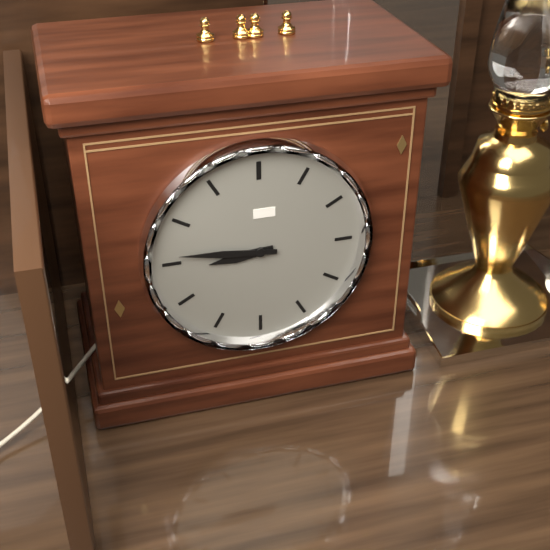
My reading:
8h46
